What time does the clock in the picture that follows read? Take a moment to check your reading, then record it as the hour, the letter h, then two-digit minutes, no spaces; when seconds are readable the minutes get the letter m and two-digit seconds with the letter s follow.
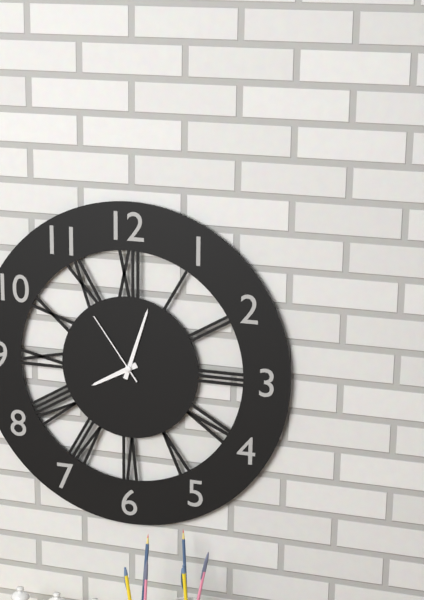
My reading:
8h03m54s
